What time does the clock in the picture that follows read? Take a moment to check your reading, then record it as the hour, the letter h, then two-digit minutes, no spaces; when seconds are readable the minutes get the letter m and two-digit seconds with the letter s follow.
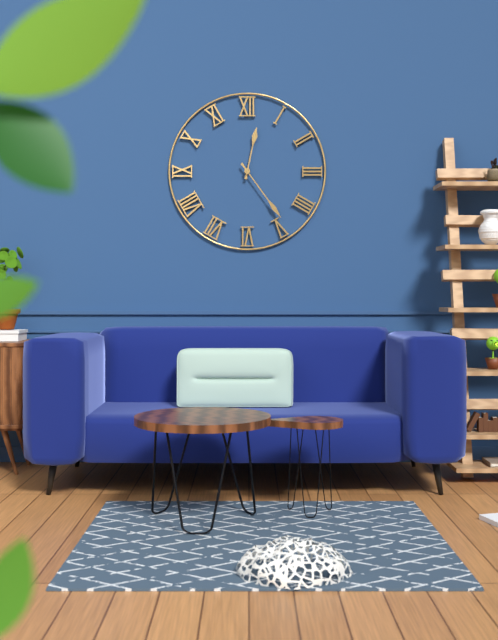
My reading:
12h24
